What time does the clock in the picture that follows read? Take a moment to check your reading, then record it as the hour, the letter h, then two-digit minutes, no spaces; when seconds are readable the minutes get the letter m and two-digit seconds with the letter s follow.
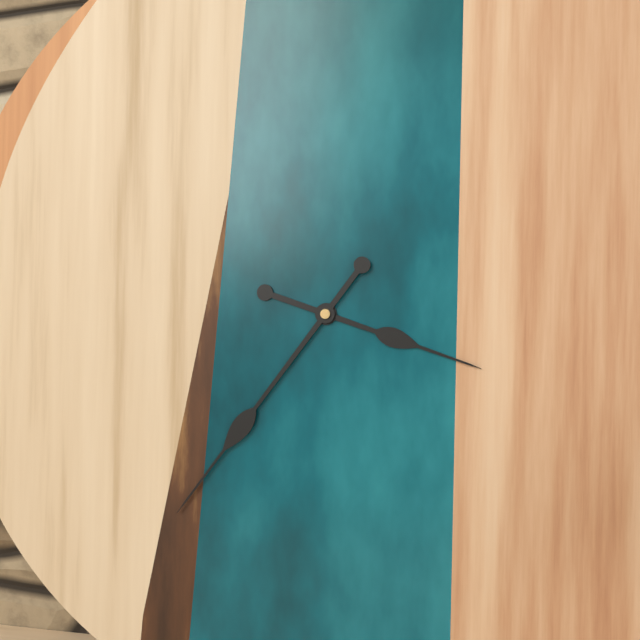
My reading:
3h36
